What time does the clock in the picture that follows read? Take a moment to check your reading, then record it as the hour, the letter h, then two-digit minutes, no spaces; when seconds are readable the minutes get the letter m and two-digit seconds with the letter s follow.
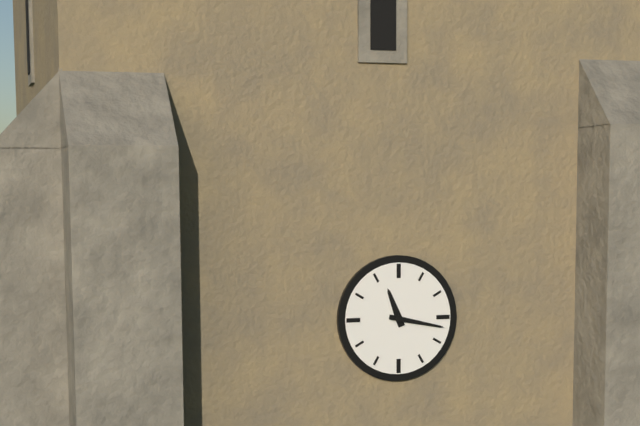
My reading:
11h17
